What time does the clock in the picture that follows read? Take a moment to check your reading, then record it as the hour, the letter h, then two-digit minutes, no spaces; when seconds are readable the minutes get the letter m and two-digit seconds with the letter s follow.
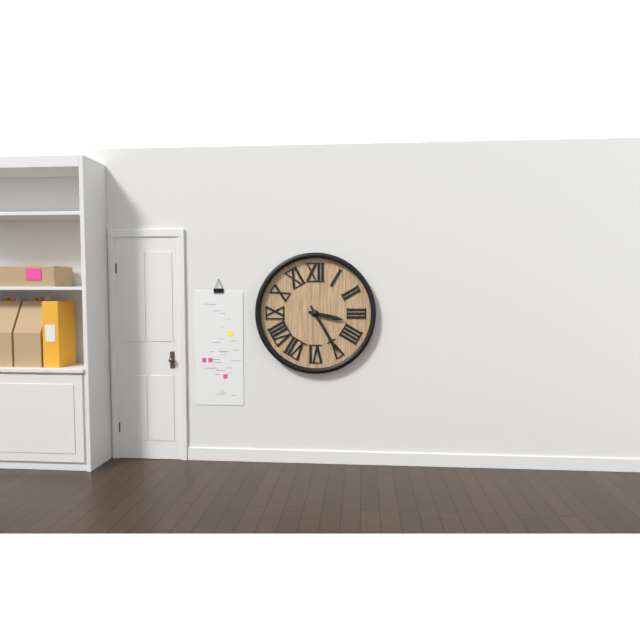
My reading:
3h25
